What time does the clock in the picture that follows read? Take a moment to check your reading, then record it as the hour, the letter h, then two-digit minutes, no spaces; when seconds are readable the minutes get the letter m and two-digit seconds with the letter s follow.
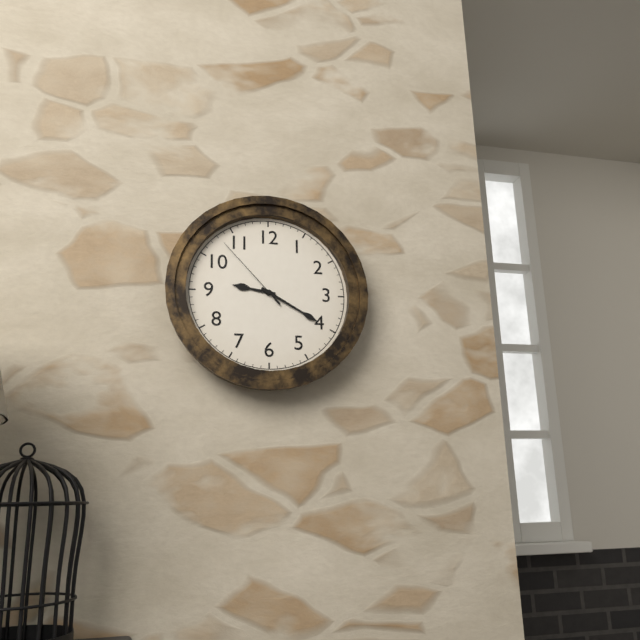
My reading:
9h20m53s
